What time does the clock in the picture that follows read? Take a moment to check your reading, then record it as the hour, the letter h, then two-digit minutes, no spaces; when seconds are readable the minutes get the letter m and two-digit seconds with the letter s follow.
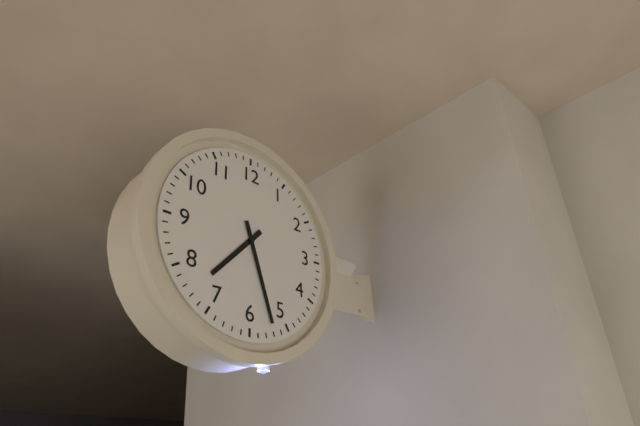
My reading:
7h27
